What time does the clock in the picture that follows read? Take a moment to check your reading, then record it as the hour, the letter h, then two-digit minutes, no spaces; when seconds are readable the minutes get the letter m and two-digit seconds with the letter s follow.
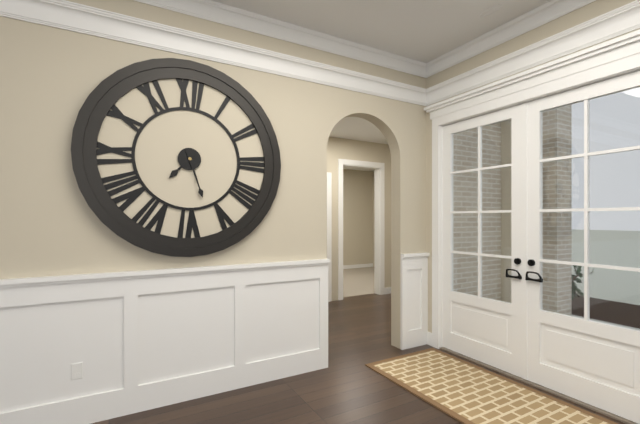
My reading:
7h27
